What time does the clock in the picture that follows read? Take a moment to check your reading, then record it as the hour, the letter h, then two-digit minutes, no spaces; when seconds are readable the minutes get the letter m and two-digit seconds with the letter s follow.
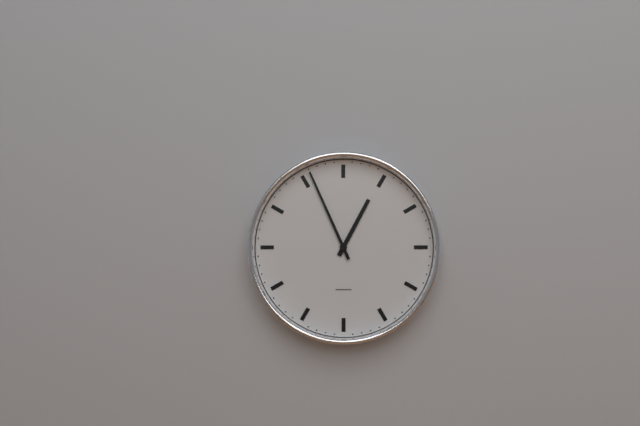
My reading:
12h56
